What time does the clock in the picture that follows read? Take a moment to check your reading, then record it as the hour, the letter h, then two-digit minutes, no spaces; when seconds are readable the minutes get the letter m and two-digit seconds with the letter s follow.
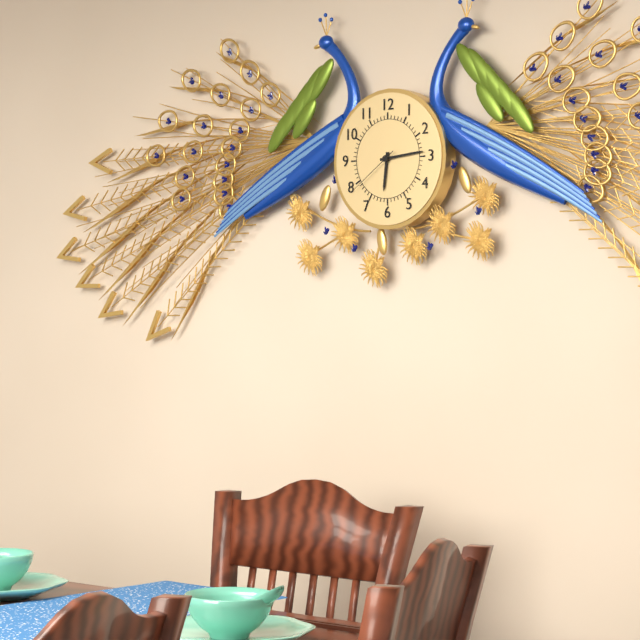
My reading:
6h14m39s
